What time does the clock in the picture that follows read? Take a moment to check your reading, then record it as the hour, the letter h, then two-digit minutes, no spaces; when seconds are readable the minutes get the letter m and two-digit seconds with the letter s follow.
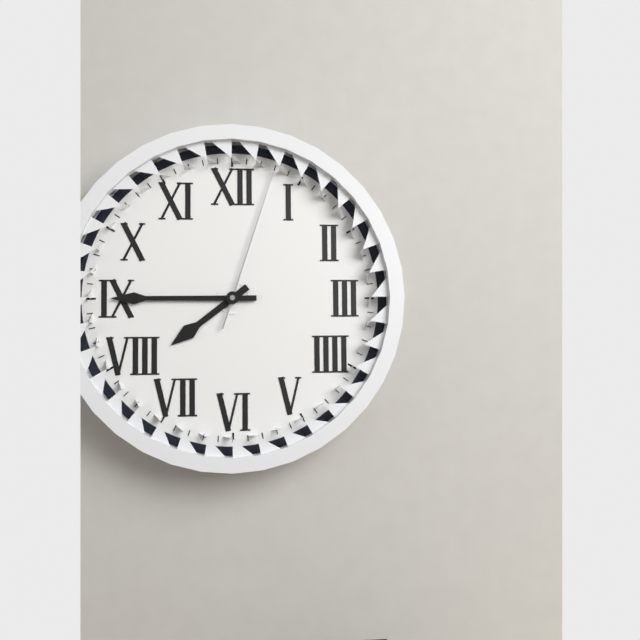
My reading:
7h45m03s
